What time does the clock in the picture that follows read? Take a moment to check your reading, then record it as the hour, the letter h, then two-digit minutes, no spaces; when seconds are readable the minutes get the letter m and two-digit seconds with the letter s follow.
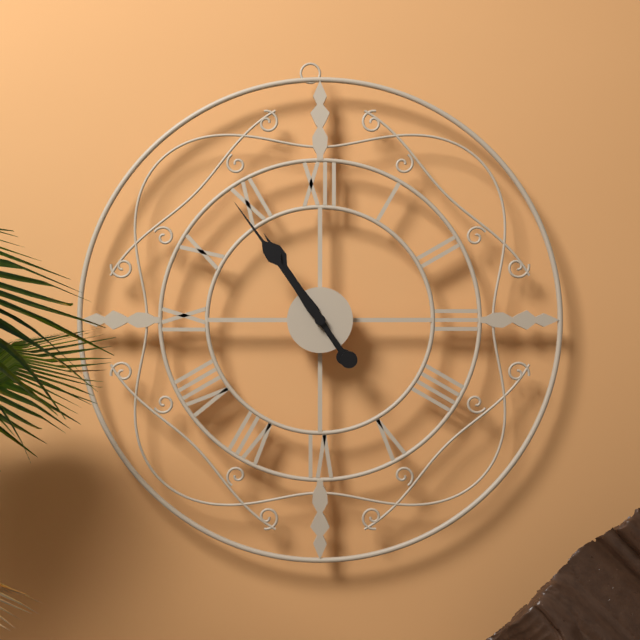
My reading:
10h54
